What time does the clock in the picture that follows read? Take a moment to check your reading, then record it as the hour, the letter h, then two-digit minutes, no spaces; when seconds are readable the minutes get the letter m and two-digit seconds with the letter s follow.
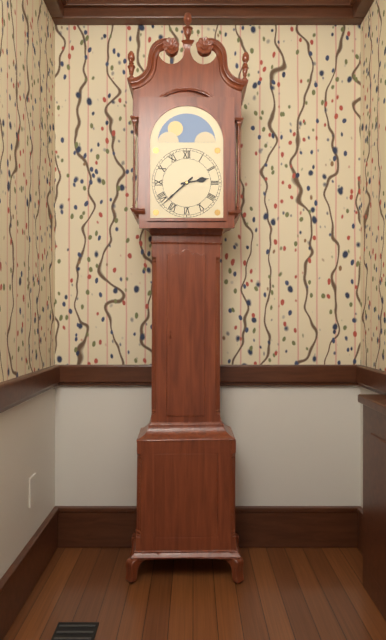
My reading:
2h38
